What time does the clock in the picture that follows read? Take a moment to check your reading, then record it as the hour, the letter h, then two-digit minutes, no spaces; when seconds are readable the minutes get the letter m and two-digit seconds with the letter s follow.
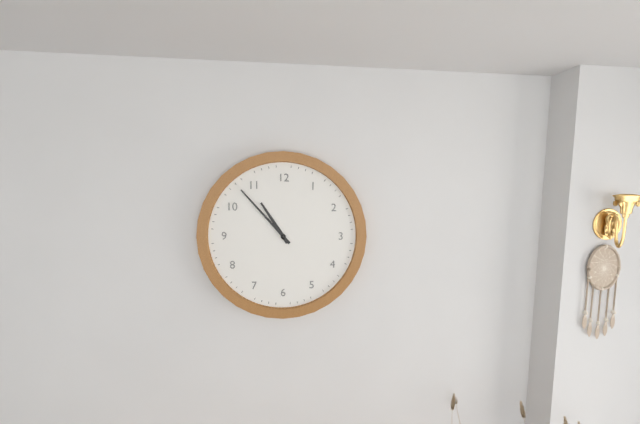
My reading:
10h53
